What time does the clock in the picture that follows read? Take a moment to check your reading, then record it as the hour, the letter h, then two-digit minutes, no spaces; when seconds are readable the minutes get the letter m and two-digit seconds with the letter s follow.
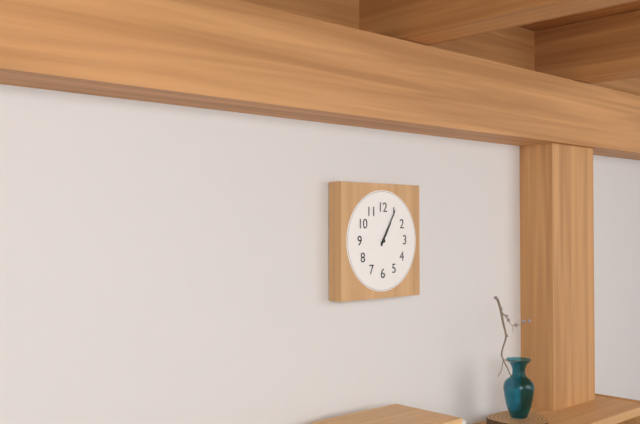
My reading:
1h05
